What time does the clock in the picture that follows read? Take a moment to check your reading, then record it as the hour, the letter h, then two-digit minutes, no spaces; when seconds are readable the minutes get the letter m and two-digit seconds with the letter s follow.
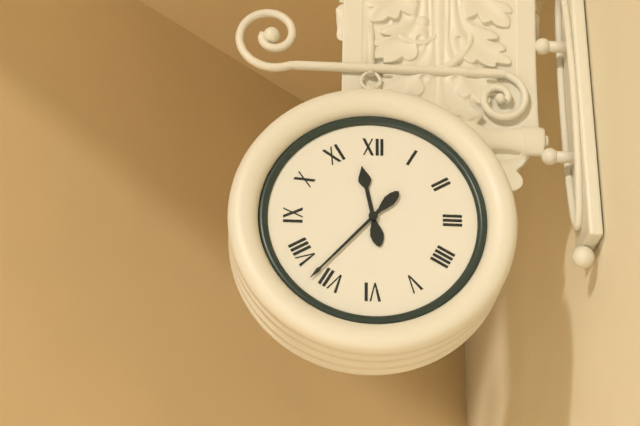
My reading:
11h37
